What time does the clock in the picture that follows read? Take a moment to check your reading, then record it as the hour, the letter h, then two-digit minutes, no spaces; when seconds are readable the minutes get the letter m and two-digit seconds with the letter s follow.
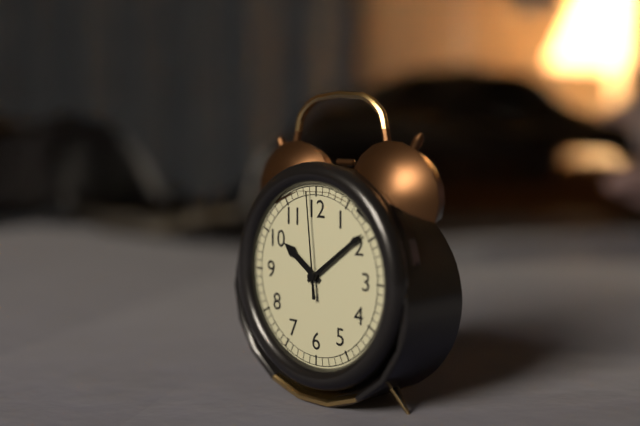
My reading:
10h09m59s
